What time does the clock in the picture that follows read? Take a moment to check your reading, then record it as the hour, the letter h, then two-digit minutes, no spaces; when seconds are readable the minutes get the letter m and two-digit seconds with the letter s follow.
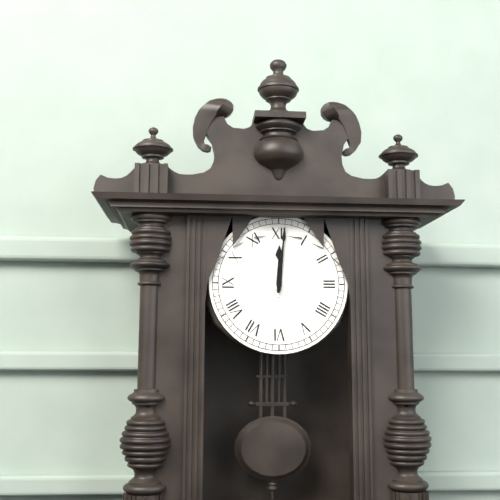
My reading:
12h01
